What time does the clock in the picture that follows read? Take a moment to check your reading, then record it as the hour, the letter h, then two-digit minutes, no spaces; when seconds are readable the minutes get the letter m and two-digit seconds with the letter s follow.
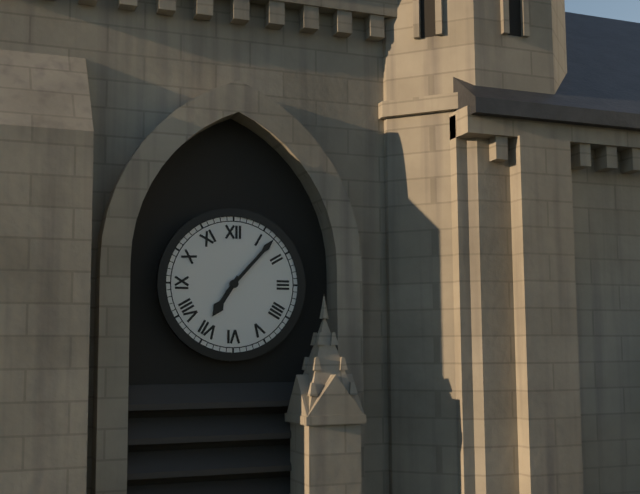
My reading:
7h07
